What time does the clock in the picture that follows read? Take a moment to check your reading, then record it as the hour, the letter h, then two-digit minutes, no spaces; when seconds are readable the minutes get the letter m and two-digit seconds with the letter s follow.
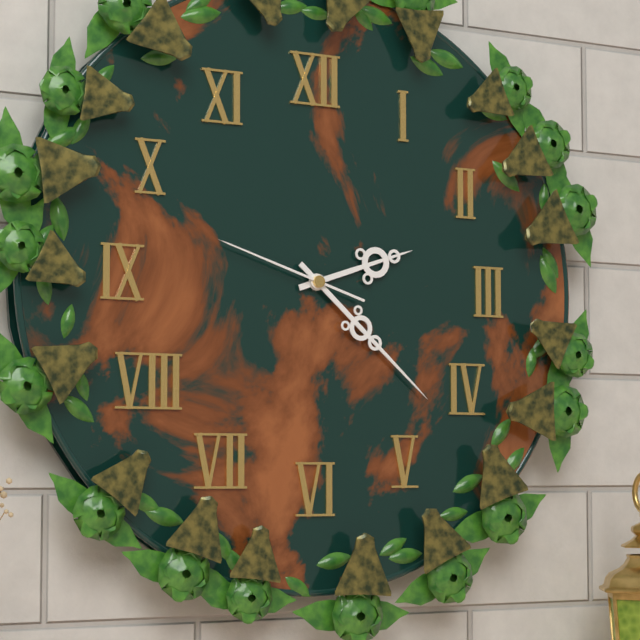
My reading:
2h22m48s
